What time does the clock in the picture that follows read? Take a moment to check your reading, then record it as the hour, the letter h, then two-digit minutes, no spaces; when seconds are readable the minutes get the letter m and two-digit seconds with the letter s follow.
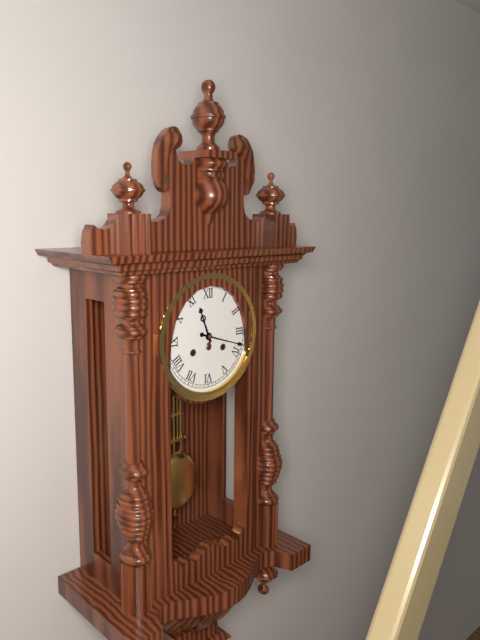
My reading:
11h18
